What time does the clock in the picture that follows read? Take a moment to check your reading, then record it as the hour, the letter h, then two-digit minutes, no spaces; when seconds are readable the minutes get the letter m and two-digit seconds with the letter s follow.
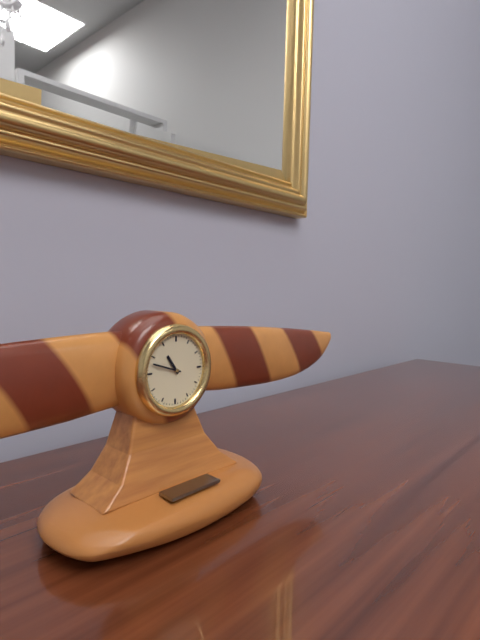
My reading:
10h48
